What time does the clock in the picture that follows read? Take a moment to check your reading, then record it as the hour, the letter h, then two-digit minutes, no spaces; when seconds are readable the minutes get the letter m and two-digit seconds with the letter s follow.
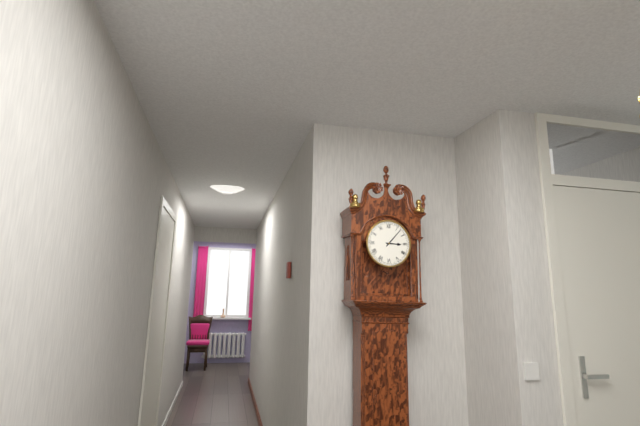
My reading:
3h07
